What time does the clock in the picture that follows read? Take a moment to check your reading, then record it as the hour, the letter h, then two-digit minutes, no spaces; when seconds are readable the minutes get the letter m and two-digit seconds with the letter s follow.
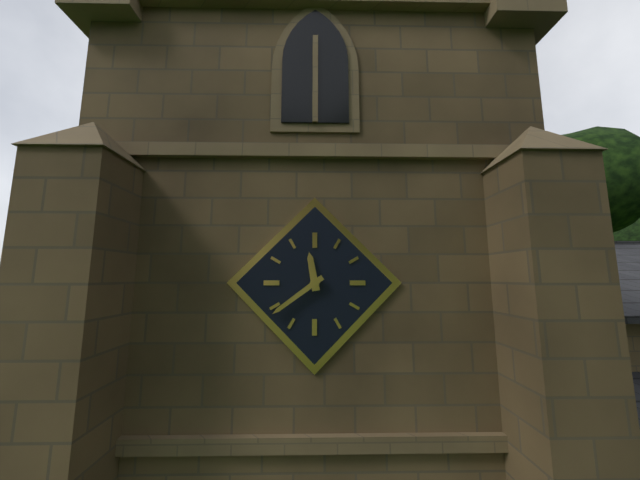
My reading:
11h39
